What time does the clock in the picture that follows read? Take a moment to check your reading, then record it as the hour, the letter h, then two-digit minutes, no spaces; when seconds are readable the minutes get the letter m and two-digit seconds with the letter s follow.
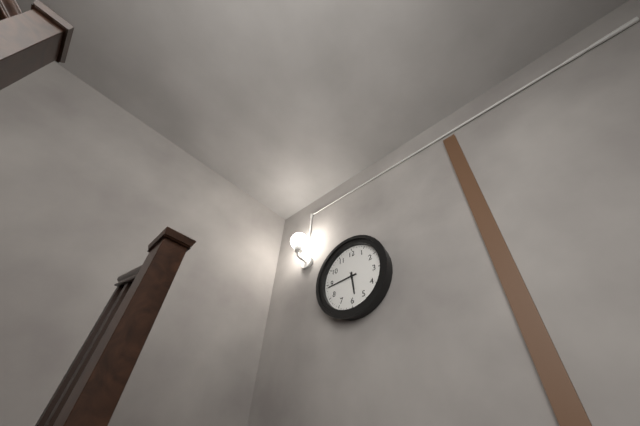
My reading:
5h44
